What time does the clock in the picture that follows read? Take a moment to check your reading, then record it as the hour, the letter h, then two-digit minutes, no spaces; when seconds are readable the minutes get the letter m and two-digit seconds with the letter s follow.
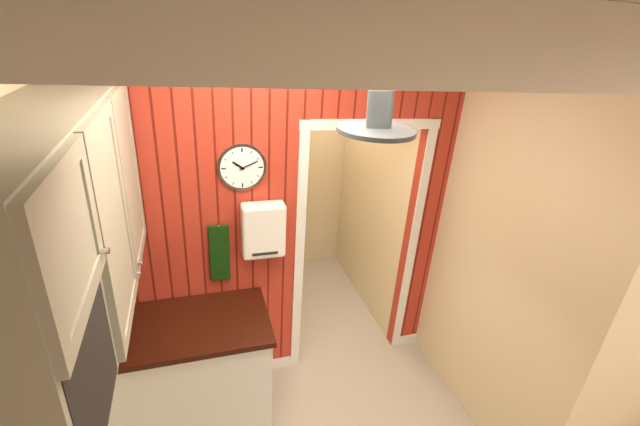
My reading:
10h11
